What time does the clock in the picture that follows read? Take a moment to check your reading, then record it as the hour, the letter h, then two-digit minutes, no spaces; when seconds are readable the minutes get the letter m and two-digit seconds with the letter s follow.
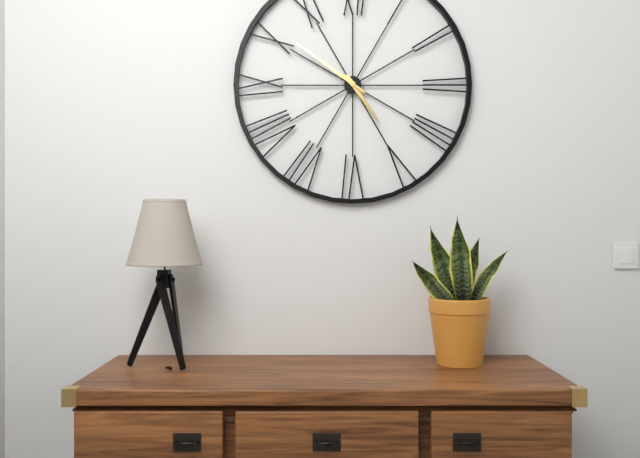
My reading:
4h51
